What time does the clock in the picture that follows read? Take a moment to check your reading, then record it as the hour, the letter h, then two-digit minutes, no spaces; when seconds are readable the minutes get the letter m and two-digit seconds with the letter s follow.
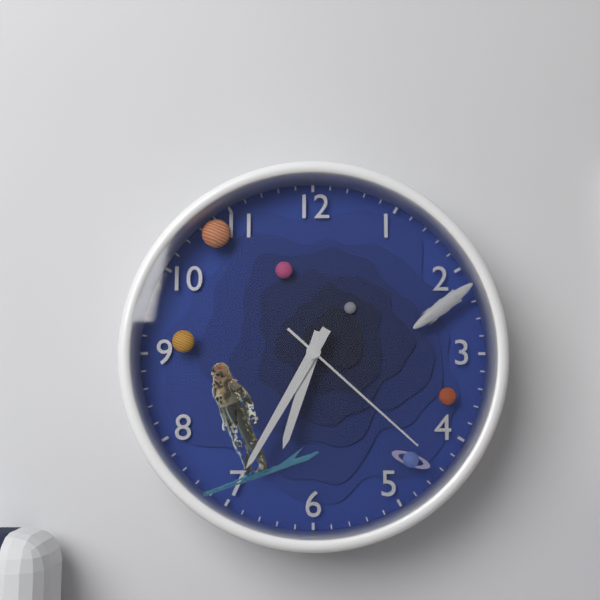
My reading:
6h35m22s
